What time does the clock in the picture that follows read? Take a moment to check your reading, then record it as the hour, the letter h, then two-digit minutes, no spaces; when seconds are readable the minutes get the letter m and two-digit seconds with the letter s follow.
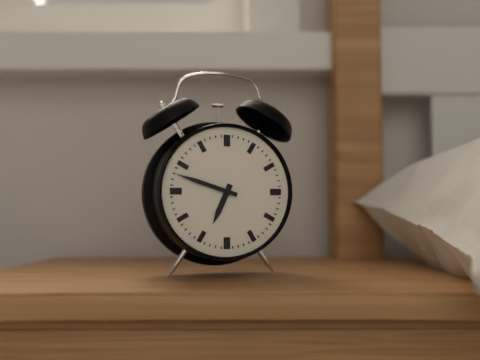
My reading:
6h48
